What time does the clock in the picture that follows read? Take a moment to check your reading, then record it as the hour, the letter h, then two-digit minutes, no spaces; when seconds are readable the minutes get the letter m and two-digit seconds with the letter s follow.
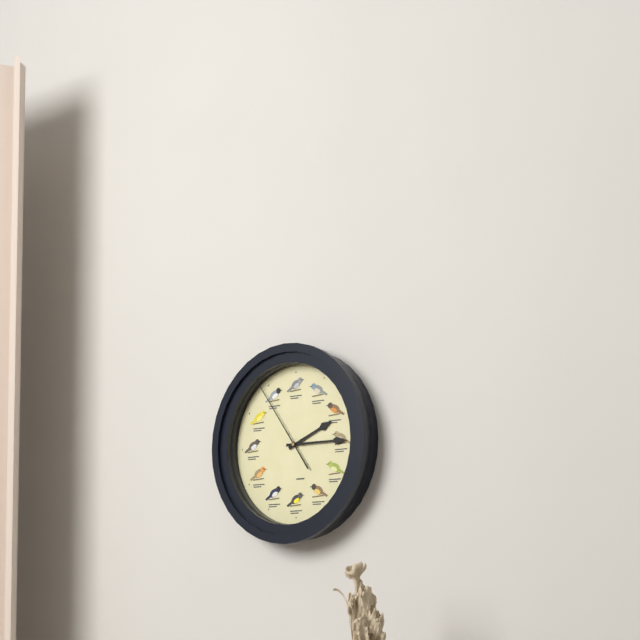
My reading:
2h15m54s
